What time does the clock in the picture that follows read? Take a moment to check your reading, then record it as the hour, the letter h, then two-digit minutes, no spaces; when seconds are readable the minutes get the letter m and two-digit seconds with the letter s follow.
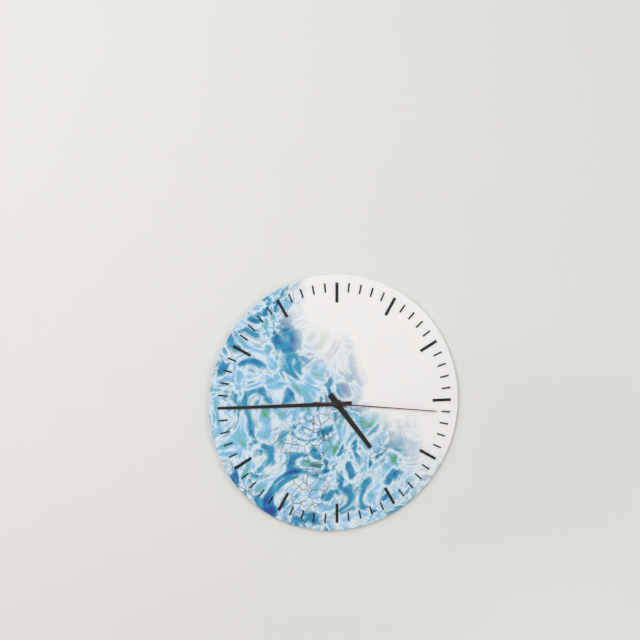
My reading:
4h45m16s
